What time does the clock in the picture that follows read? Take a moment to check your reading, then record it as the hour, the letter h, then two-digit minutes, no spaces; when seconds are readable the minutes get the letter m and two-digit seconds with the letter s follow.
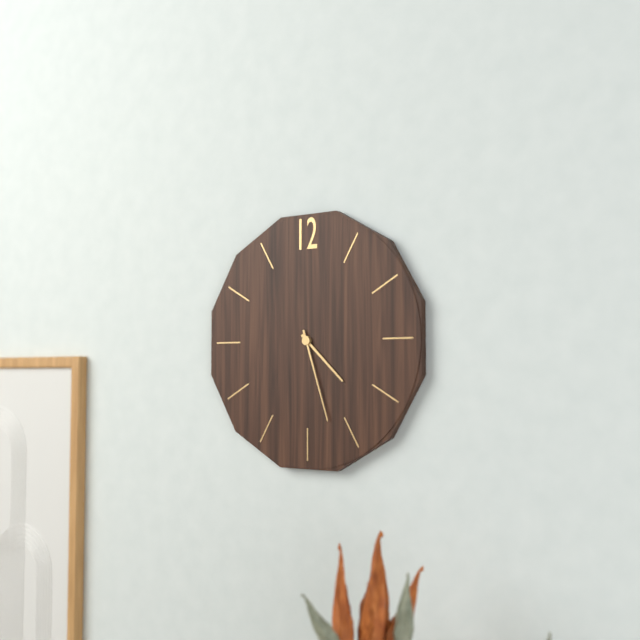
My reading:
4h27
